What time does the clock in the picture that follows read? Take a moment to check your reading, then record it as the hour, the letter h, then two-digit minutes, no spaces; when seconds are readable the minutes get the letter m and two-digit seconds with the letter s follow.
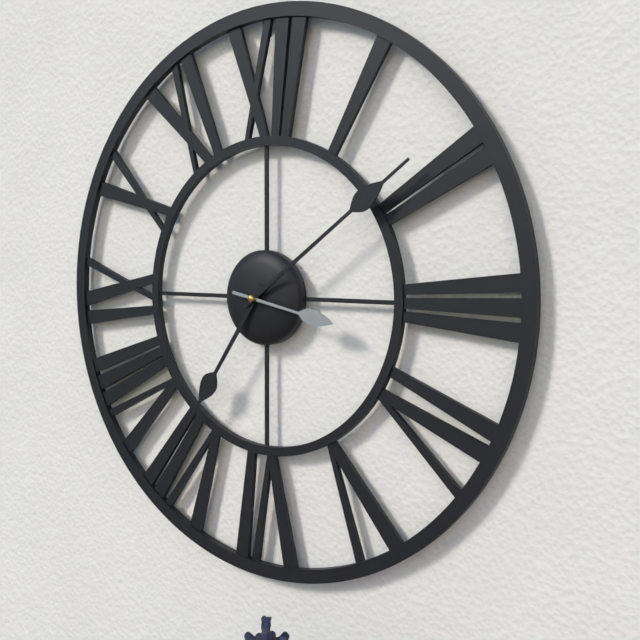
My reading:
7h09m17s
